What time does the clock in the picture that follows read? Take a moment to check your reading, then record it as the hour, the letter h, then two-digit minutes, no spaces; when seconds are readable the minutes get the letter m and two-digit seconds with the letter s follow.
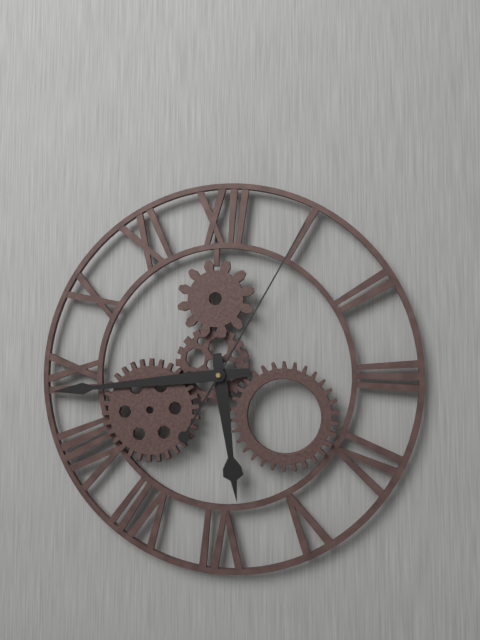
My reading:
5h44m05s
